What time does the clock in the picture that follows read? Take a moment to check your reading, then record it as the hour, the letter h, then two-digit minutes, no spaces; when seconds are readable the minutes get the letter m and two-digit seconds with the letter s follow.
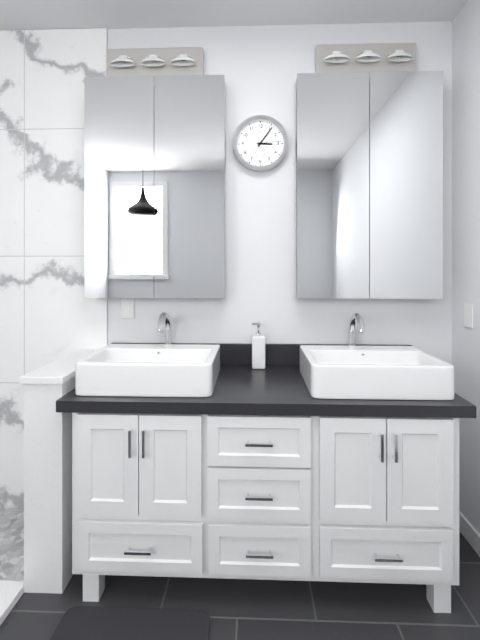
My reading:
3h06
